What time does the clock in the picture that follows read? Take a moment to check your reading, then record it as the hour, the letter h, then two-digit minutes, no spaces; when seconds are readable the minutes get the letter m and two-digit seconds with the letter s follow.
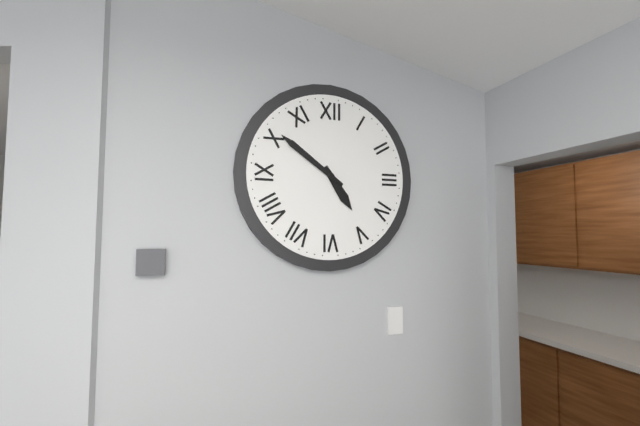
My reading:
4h51
